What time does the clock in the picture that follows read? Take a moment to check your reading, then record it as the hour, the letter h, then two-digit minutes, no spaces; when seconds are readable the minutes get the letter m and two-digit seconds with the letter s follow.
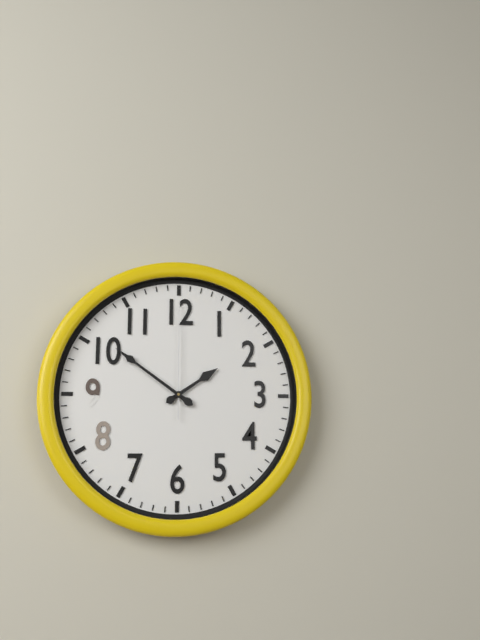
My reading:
1h51m00s
